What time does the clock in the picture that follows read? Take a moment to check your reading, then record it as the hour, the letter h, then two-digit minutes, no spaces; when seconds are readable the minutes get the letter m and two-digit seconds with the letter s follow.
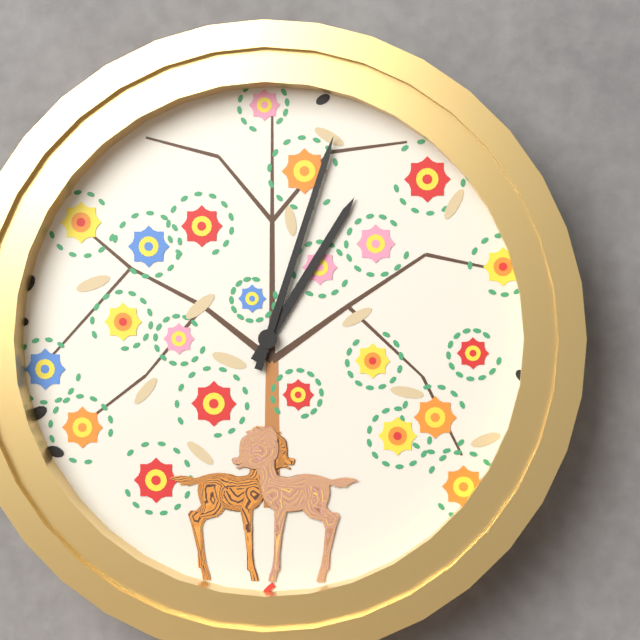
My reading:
1h03
